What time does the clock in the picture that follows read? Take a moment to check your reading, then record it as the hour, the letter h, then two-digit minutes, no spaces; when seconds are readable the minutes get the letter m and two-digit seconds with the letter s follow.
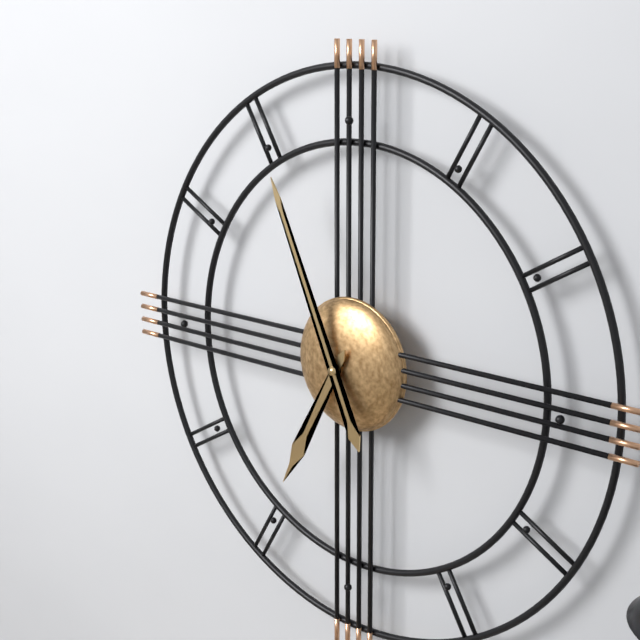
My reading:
6h56
